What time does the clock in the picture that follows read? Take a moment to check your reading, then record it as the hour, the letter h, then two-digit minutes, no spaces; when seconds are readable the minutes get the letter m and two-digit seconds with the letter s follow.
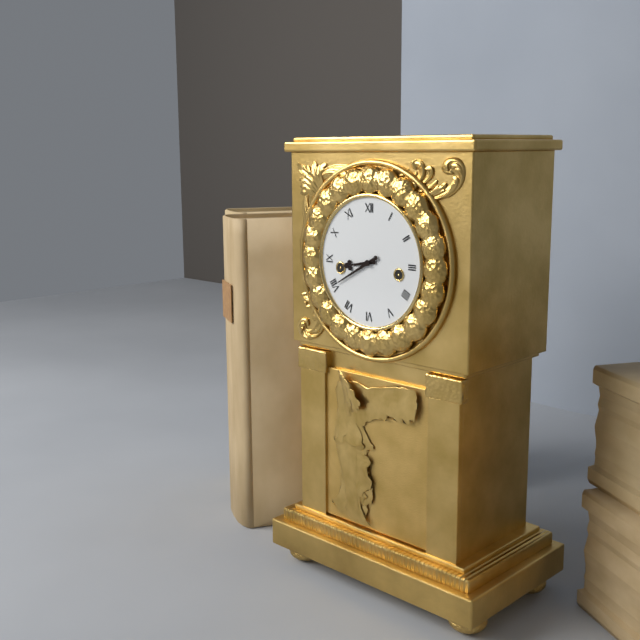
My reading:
8h40
